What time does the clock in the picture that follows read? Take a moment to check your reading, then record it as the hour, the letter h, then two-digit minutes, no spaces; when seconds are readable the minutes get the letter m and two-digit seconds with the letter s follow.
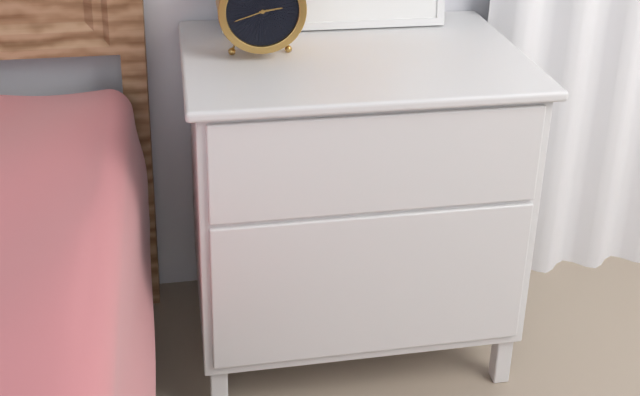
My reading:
2h42
